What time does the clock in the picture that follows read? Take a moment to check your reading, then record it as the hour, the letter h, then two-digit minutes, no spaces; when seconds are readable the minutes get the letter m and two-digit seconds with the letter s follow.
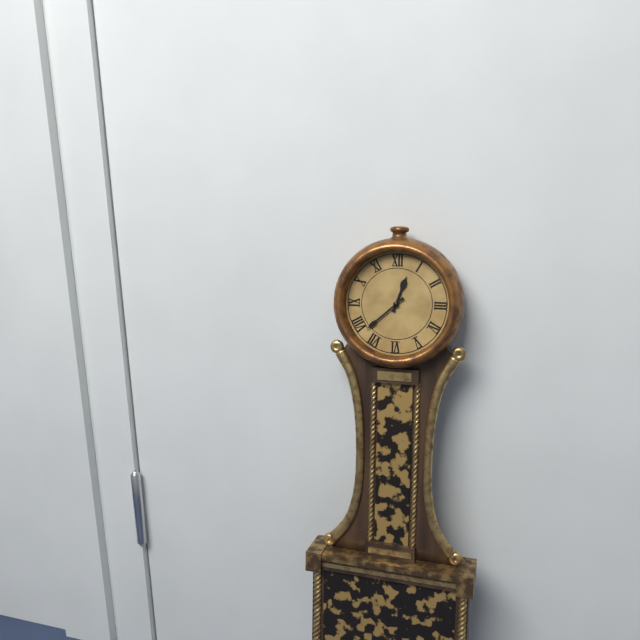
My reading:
12h38
